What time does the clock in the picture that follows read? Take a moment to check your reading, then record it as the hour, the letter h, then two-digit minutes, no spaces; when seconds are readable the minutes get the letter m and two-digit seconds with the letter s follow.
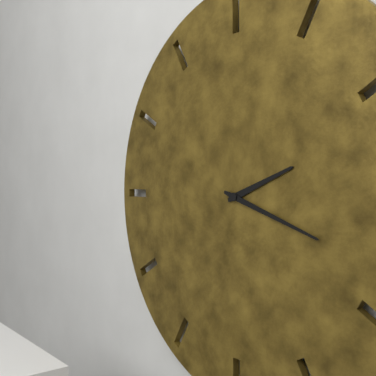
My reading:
2h18
